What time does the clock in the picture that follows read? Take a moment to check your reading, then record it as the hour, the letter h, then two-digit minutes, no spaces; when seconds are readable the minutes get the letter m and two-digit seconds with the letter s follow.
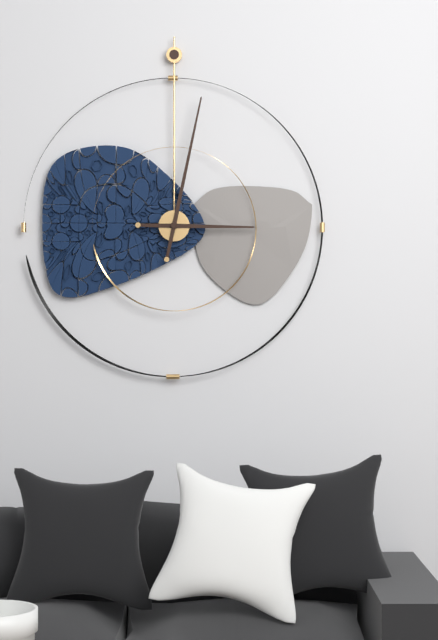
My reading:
3h02
